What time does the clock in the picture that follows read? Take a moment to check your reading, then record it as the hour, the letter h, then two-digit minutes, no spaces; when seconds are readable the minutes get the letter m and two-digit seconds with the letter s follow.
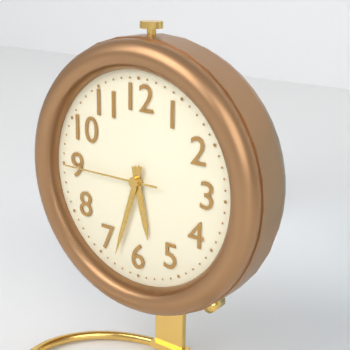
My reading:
5h33m45s
